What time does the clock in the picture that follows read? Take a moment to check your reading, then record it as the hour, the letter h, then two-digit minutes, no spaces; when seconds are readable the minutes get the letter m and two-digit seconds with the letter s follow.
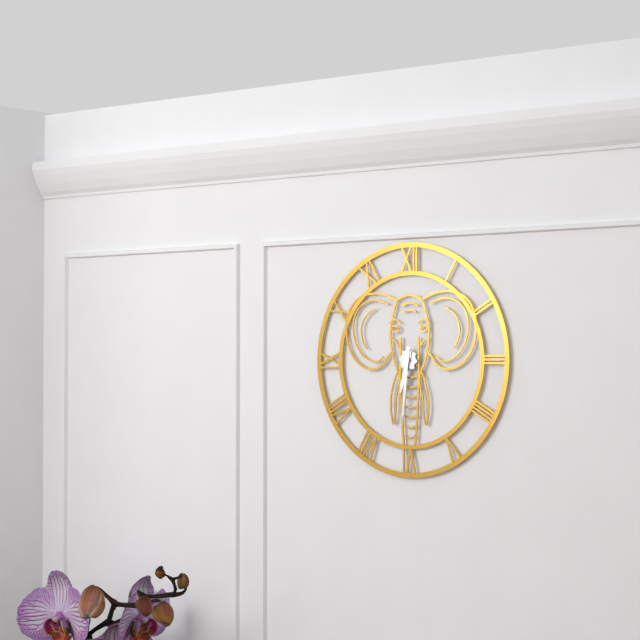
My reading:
6h31
